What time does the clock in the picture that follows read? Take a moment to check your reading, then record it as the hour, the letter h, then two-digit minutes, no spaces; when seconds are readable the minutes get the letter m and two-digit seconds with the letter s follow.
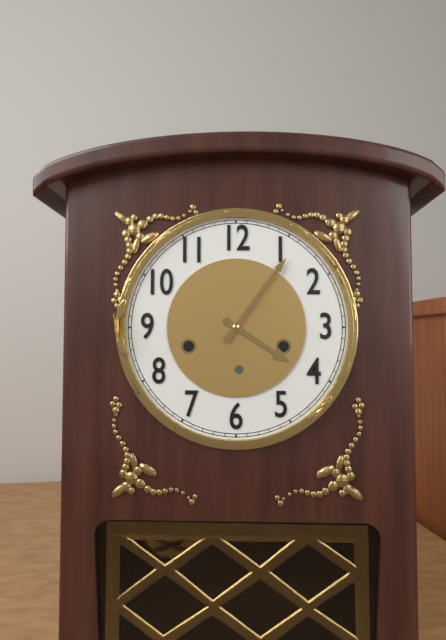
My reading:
4h06
